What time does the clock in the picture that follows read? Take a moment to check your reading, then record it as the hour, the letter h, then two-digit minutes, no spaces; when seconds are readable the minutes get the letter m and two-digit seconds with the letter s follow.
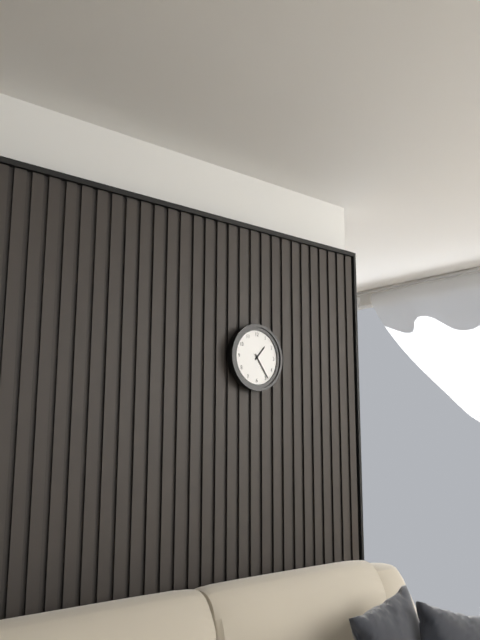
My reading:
1h24
